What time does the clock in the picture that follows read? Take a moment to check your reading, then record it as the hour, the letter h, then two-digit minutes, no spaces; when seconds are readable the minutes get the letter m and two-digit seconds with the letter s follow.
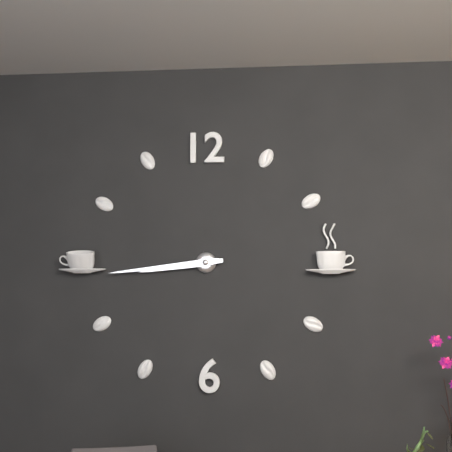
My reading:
8h44
